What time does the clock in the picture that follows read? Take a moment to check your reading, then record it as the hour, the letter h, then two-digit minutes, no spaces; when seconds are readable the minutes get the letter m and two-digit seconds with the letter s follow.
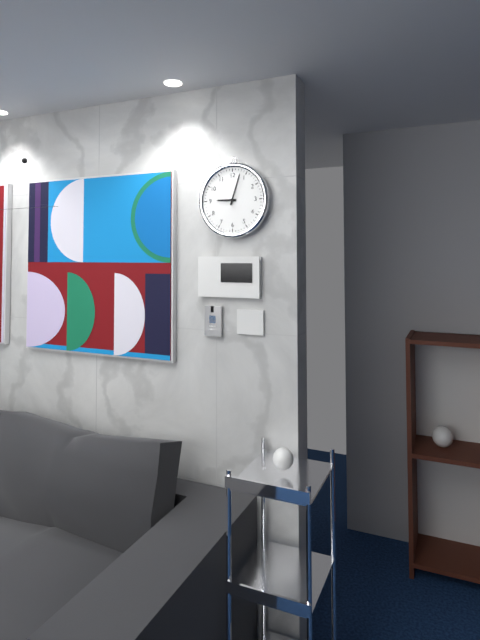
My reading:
9h03
